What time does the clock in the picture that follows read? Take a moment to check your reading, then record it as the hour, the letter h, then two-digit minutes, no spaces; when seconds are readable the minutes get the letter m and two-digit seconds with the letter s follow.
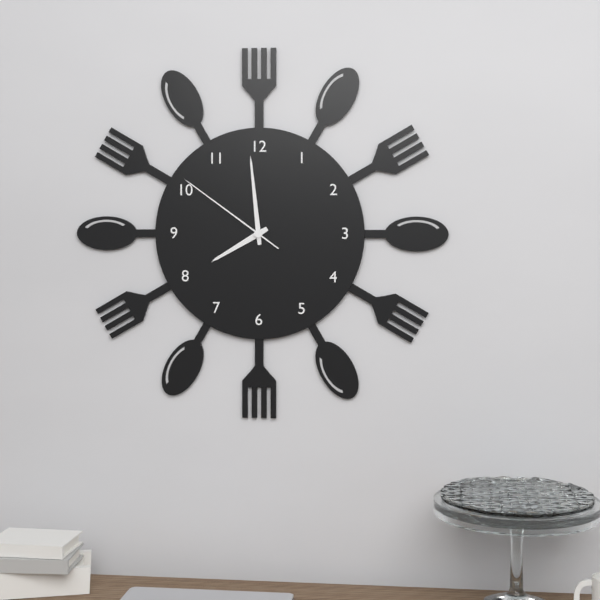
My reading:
7h59m51s
